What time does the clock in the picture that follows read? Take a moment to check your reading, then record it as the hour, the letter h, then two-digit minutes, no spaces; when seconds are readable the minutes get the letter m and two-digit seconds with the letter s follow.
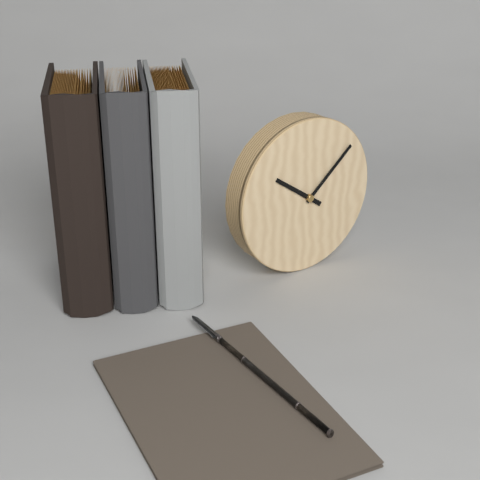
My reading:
10h08
